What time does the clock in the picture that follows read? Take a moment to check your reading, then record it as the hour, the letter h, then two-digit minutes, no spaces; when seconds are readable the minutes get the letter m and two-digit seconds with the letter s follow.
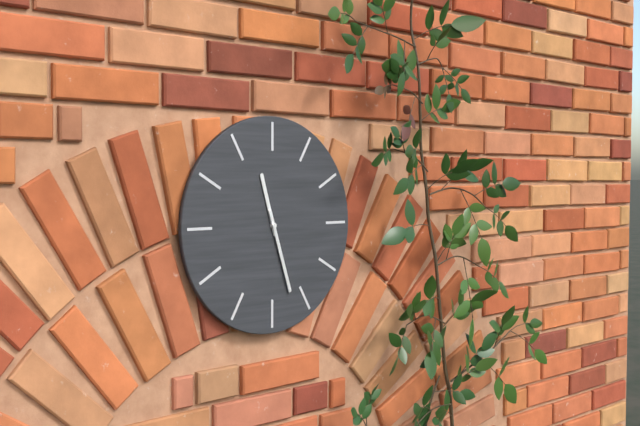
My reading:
11h27
